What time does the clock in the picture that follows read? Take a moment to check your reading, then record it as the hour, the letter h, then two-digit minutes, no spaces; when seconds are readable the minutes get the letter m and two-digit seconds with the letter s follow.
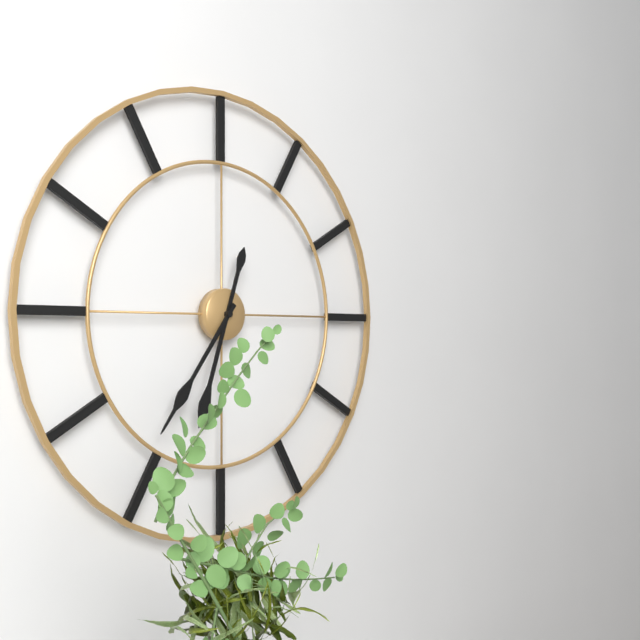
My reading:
6h36
